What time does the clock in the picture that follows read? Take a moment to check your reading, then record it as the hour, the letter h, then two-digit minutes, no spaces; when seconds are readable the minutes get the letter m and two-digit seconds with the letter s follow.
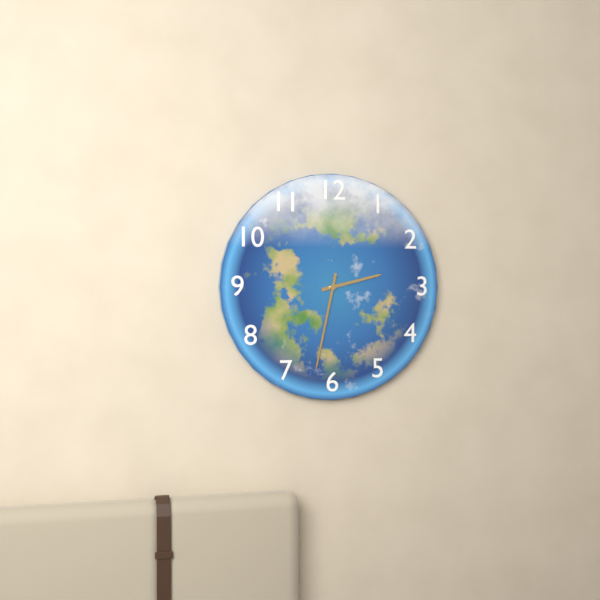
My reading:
2h32
